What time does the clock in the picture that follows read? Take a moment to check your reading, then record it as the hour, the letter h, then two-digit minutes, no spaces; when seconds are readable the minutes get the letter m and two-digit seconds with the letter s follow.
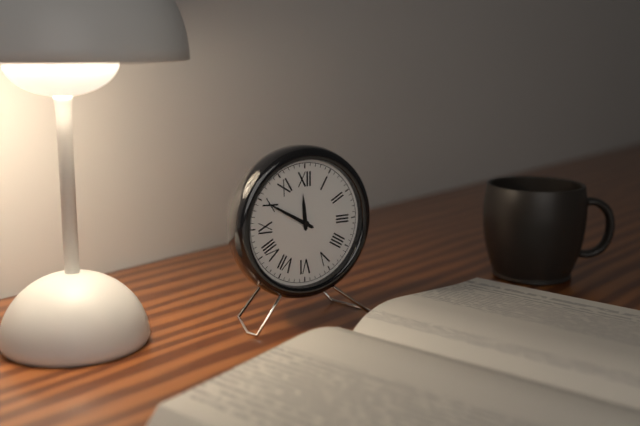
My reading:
11h50
